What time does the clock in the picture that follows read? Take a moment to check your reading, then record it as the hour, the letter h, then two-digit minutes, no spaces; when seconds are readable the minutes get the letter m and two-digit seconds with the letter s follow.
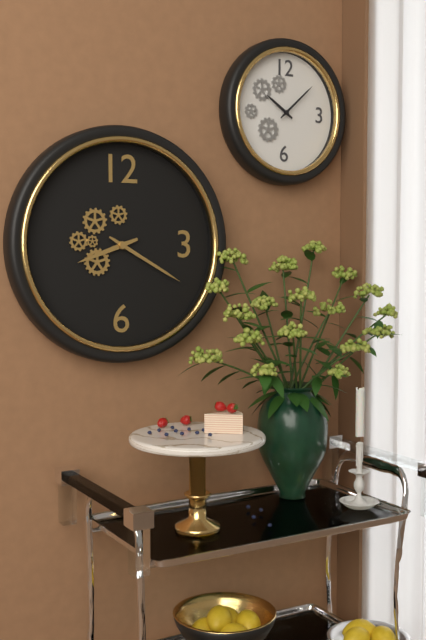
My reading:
8h20
